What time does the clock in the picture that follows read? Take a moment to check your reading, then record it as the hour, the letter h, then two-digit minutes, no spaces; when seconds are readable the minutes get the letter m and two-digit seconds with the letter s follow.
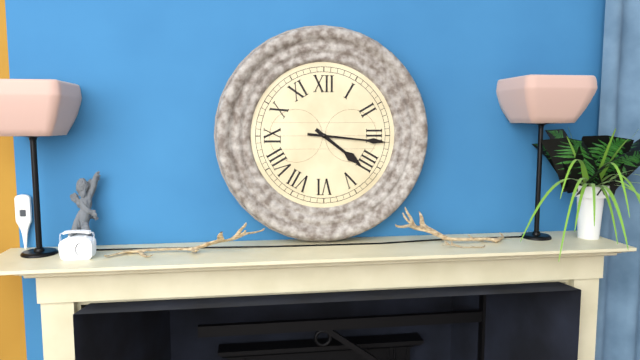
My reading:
4h16
